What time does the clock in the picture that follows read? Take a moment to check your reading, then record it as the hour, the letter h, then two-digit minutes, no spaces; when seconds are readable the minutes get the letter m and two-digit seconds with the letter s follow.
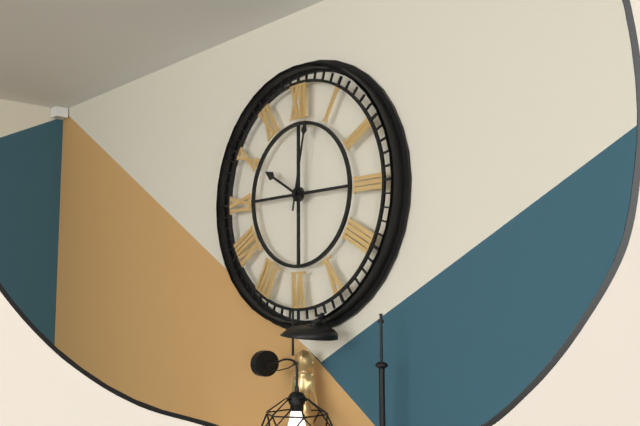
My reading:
10h02
